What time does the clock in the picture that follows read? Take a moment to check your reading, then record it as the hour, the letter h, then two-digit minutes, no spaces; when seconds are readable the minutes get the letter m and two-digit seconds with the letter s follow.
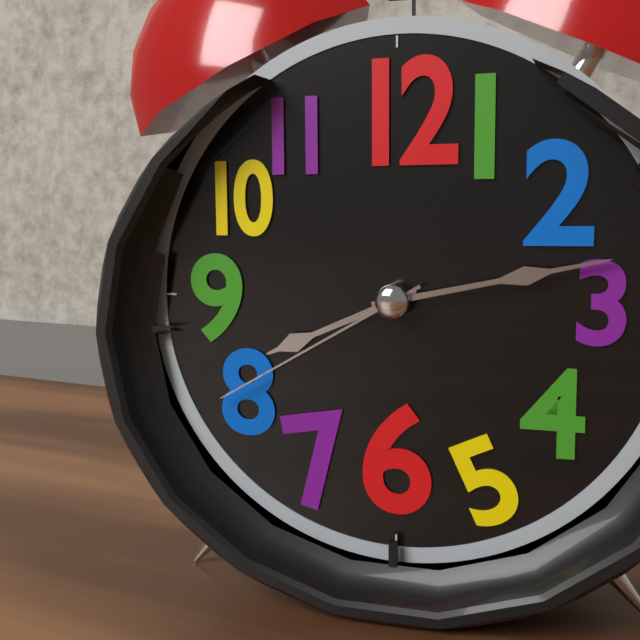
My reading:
8h13m40s
